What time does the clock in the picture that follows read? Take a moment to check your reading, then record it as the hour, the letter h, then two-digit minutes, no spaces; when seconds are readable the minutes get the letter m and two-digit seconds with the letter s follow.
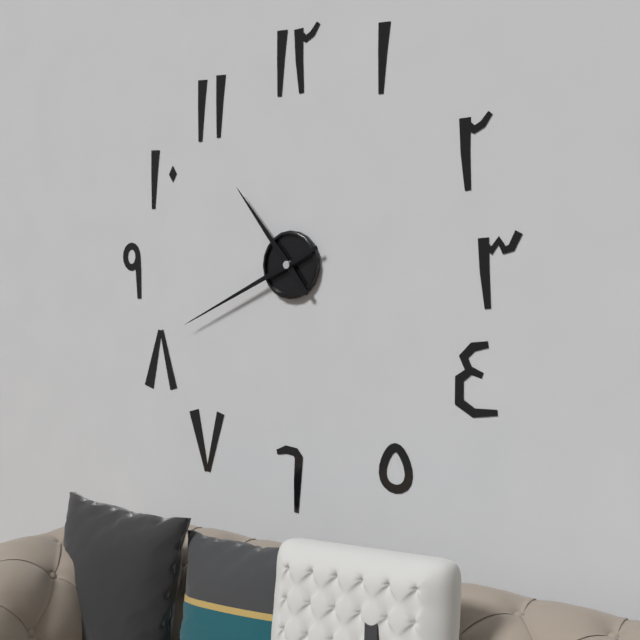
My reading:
10h41
